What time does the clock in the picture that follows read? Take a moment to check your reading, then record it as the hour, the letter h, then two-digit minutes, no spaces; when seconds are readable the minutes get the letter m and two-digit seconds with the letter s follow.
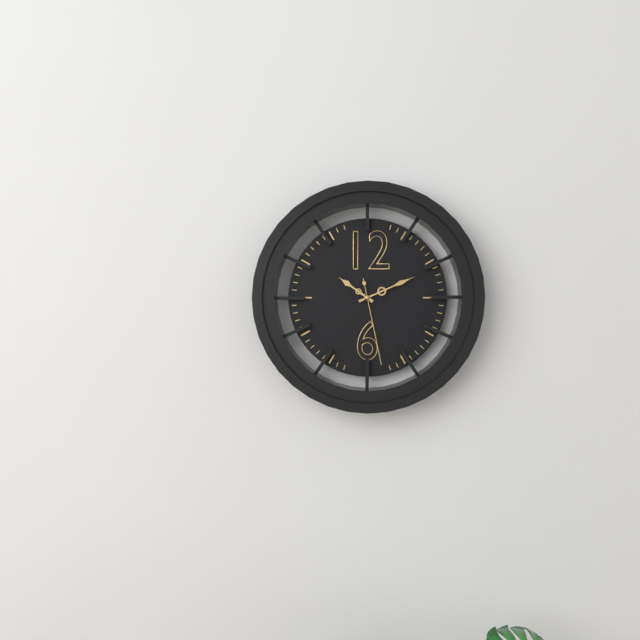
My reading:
10h11m28s
